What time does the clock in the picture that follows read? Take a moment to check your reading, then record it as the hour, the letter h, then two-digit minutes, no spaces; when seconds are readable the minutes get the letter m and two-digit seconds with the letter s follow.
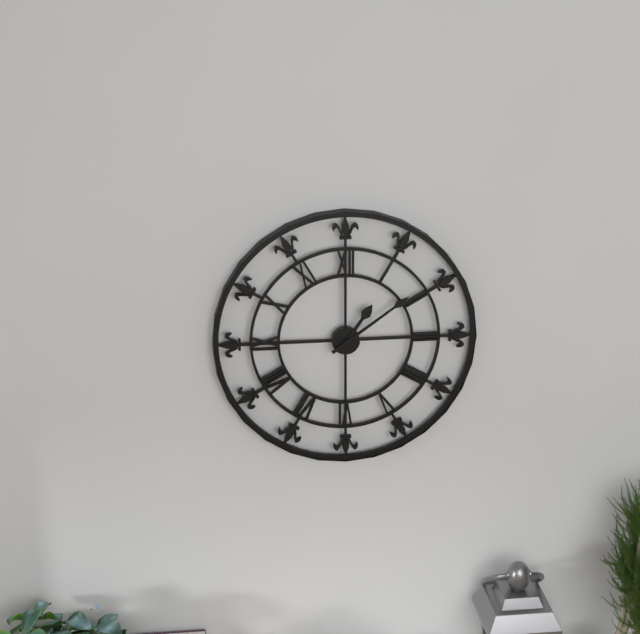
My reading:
1h09
